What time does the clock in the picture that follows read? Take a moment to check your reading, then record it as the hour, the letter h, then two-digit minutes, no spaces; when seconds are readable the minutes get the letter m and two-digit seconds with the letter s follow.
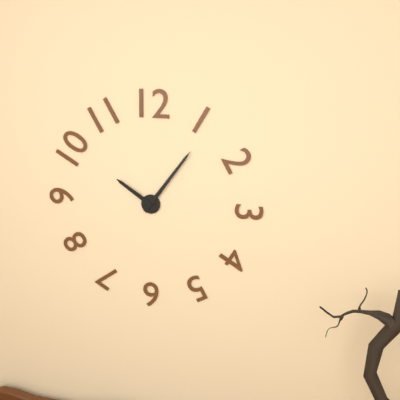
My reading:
10h06
